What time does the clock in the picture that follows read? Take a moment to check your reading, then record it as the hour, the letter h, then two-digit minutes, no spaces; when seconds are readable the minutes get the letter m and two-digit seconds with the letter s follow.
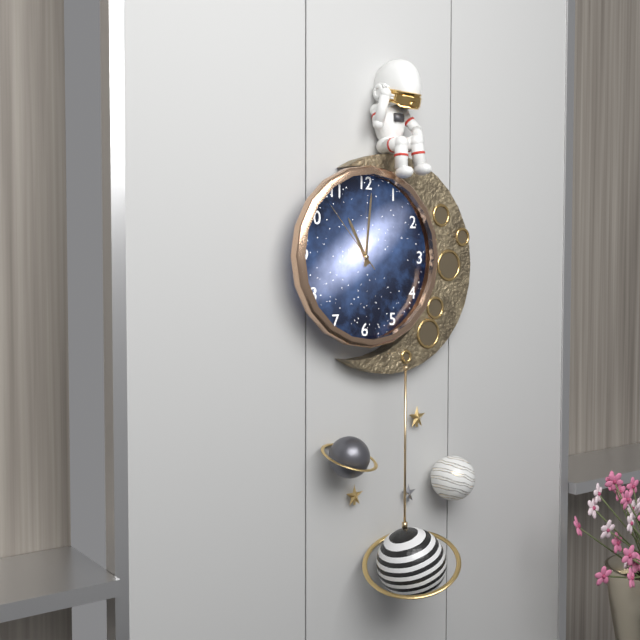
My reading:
11h01m53s
